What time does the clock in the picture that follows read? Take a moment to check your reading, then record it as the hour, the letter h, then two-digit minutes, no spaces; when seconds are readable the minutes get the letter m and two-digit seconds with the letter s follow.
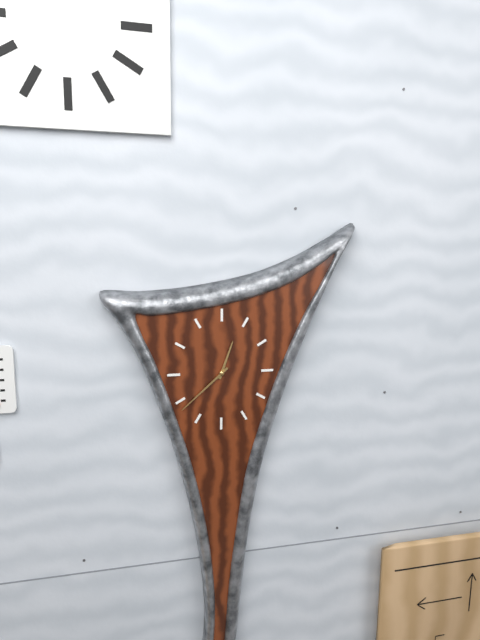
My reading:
12h38
